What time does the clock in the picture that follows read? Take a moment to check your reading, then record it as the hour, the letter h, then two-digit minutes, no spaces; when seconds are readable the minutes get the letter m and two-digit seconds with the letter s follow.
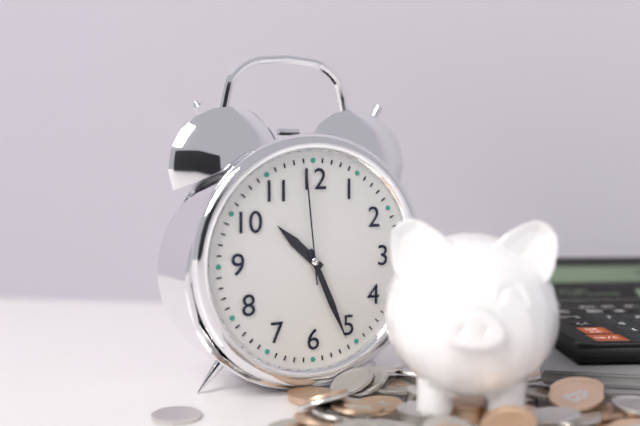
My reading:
10h26m59s
